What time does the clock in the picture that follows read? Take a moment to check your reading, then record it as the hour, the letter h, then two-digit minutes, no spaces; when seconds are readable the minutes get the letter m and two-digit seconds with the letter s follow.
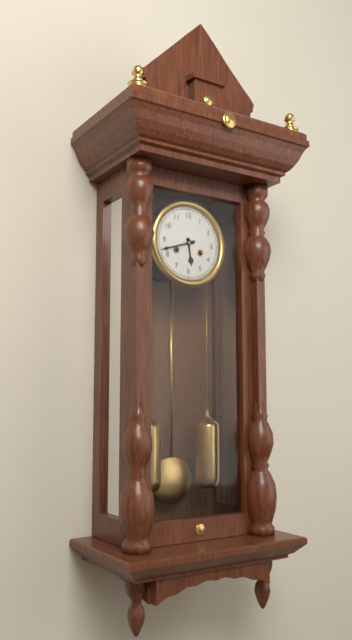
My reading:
5h42
